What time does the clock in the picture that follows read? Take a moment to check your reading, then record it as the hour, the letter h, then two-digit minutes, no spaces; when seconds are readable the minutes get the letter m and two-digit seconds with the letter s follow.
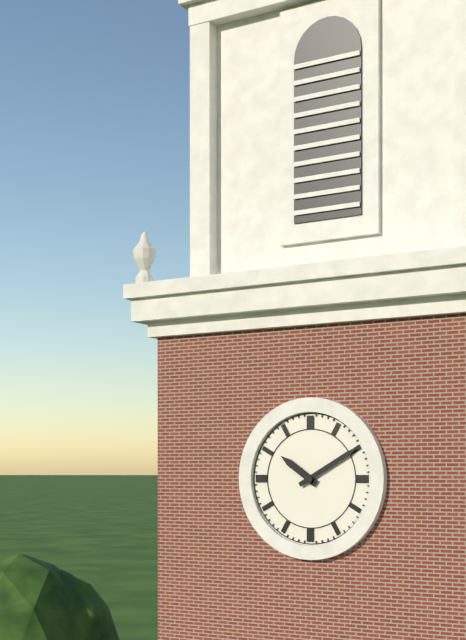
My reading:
10h10
